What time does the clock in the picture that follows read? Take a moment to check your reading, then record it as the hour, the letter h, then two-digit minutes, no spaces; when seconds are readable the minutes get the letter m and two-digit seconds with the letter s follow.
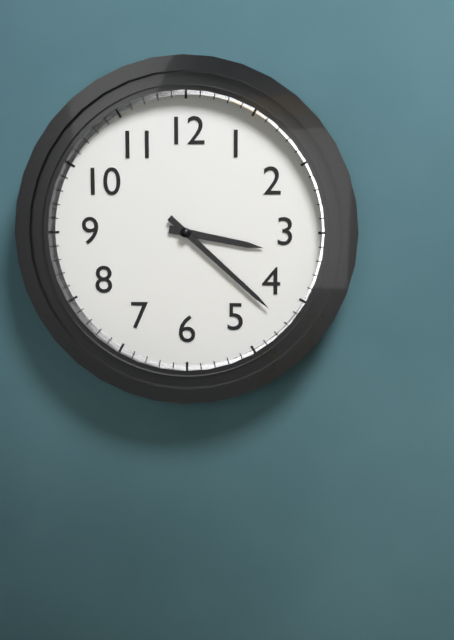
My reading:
3h22
